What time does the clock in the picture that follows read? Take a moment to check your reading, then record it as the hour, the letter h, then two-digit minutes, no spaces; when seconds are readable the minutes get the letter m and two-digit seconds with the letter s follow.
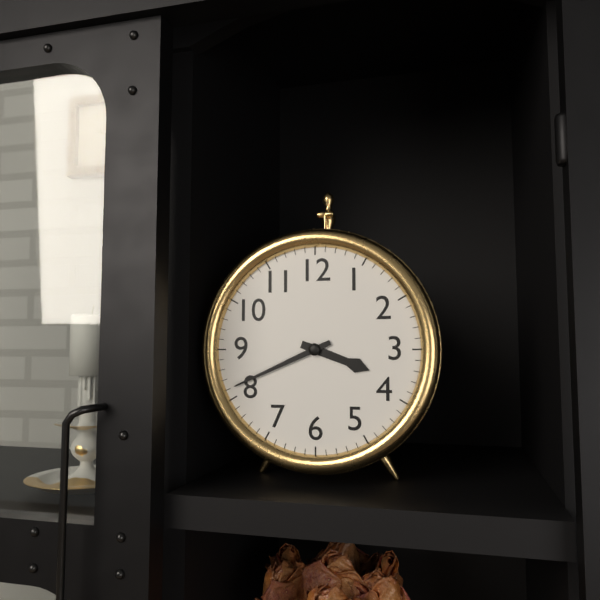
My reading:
3h41
